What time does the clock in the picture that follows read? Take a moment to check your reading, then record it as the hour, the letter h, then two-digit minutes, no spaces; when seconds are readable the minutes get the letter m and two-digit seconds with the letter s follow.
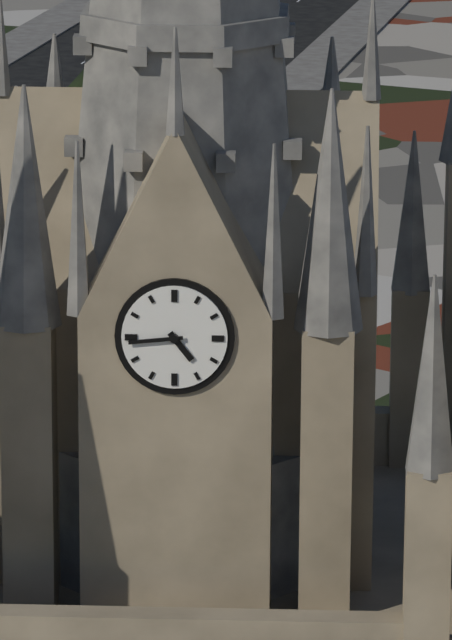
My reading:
4h44
